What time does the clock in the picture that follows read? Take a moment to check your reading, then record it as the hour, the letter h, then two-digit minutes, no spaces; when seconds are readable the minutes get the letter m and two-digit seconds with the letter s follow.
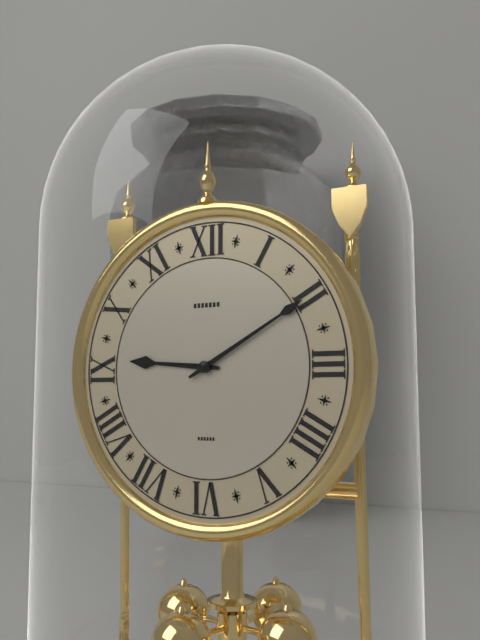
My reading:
9h10
